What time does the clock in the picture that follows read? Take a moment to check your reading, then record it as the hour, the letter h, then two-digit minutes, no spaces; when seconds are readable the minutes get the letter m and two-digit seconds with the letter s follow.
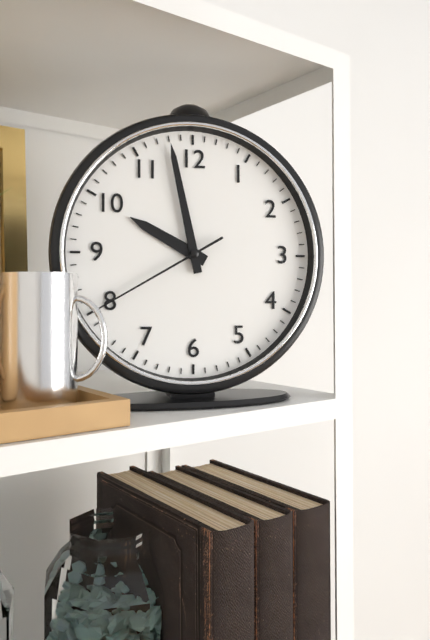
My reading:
9h58m40s
